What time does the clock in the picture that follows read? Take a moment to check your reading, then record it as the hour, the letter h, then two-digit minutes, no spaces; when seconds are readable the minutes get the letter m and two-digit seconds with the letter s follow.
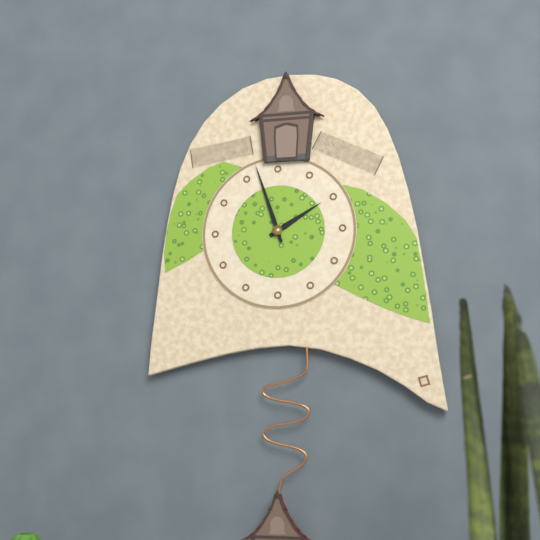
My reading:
1h57
